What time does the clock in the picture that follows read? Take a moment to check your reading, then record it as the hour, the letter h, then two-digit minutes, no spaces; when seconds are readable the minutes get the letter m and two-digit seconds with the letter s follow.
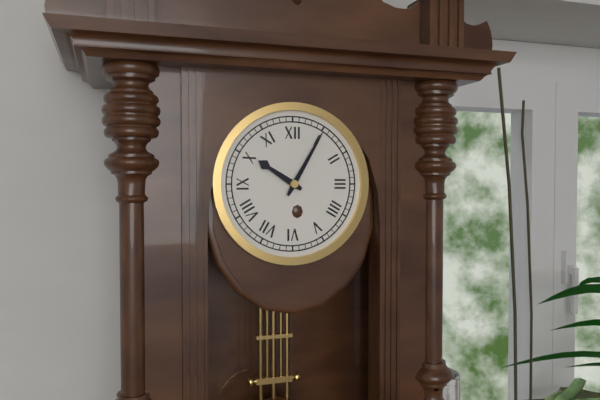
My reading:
10h05
